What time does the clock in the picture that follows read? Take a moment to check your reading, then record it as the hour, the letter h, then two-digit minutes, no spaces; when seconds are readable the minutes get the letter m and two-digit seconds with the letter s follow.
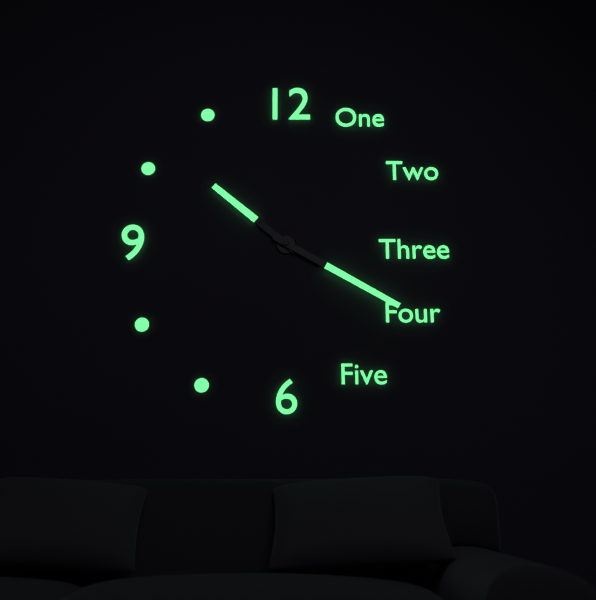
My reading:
10h20
